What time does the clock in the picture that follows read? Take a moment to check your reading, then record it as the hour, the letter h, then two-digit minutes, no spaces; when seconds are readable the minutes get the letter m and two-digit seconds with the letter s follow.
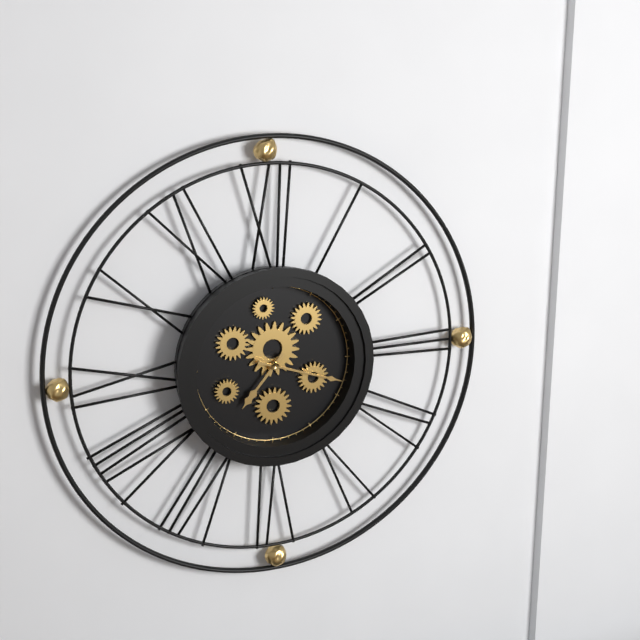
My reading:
7h18
